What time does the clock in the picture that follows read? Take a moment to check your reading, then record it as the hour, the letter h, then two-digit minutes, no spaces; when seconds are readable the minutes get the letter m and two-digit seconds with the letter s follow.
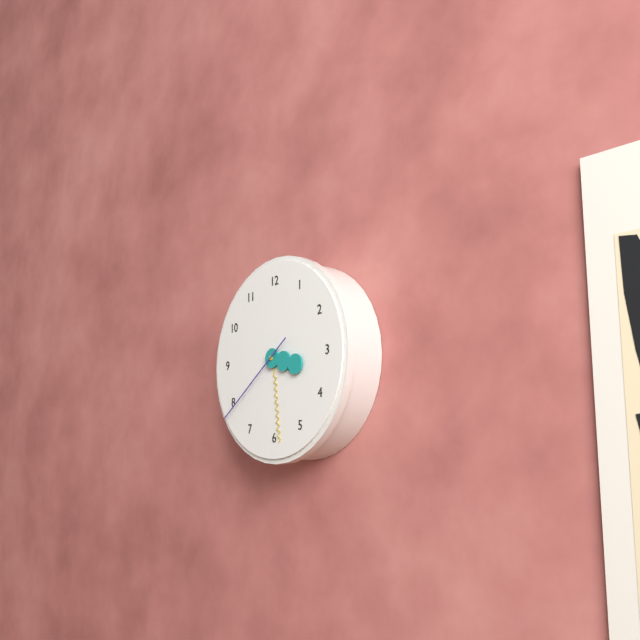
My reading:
3h29m39s
